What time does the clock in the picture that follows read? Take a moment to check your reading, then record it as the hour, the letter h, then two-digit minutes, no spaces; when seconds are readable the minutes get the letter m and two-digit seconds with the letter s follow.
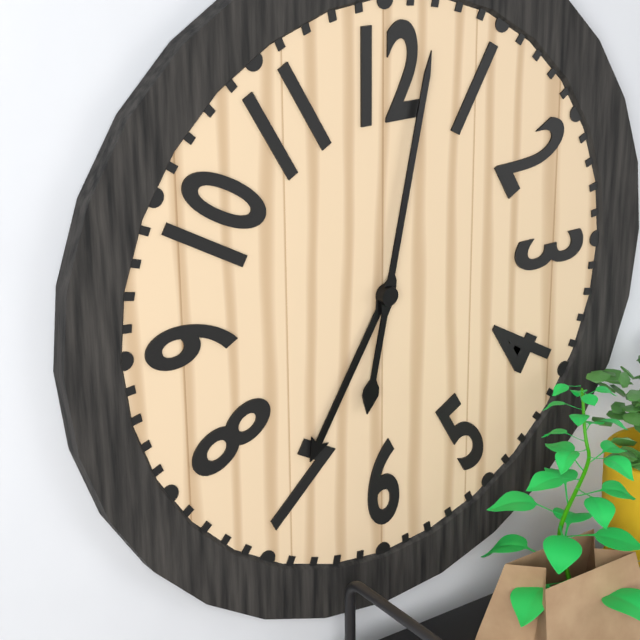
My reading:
7h02
